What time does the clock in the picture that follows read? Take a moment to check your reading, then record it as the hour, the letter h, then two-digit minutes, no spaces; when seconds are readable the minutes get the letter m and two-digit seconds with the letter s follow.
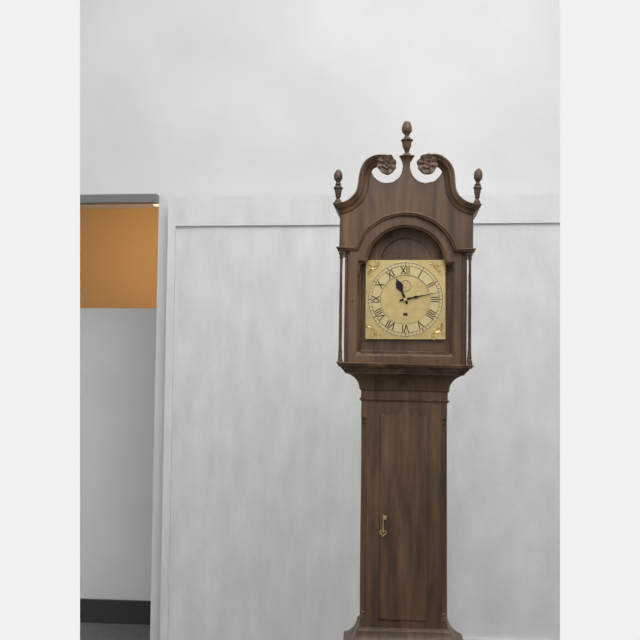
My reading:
11h13
